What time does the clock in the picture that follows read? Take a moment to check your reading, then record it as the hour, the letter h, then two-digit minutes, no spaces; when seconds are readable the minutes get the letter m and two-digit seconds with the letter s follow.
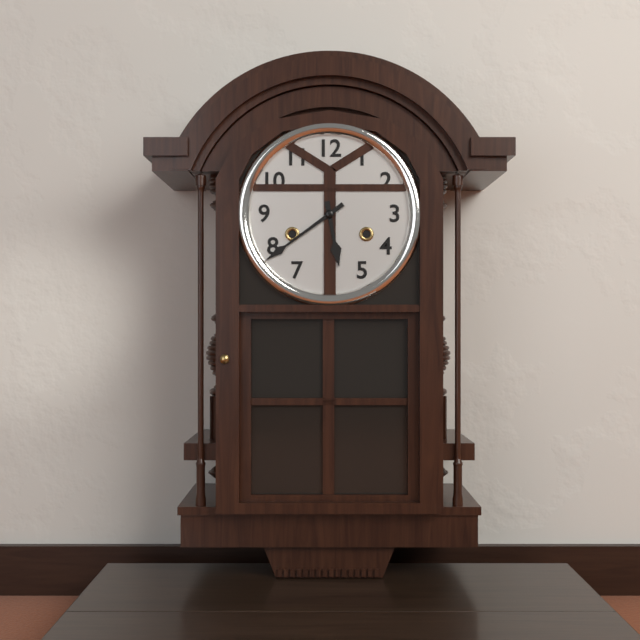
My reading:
5h39
